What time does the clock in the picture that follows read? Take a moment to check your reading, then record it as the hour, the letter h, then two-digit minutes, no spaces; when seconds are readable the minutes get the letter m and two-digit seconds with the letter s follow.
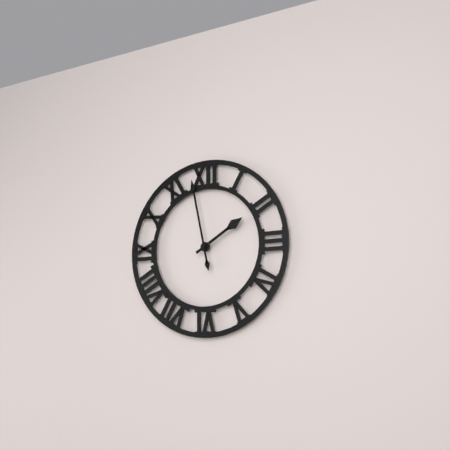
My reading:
1h58
